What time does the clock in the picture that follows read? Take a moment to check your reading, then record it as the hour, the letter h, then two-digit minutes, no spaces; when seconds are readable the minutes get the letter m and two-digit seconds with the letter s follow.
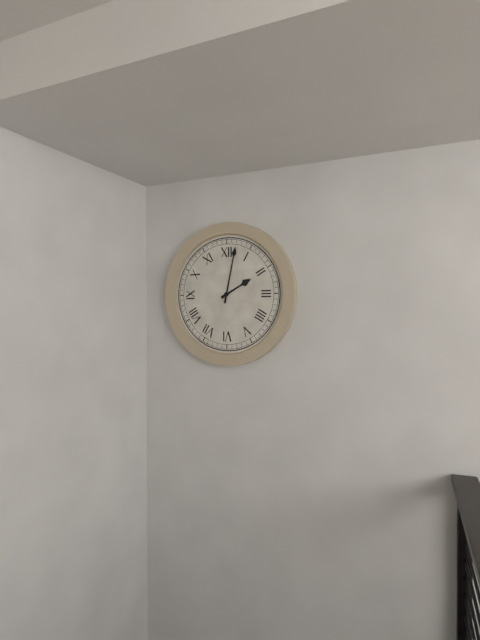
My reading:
2h02
